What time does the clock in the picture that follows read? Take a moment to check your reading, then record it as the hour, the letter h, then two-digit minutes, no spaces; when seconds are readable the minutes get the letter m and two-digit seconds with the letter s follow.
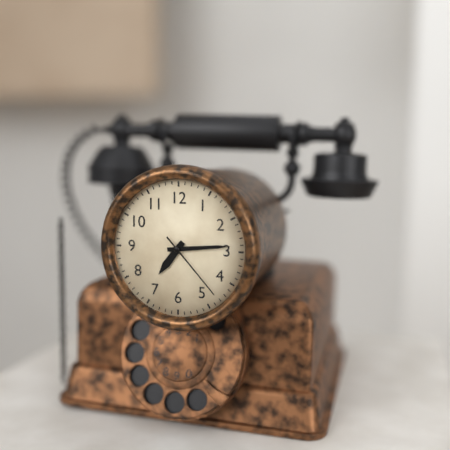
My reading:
7h14m23s
